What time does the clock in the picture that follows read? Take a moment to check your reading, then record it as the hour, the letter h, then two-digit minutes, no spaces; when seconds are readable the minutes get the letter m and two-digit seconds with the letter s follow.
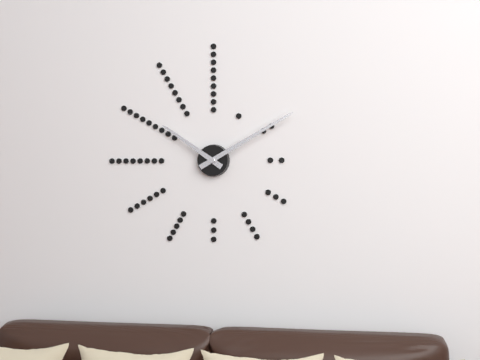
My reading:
10h10
